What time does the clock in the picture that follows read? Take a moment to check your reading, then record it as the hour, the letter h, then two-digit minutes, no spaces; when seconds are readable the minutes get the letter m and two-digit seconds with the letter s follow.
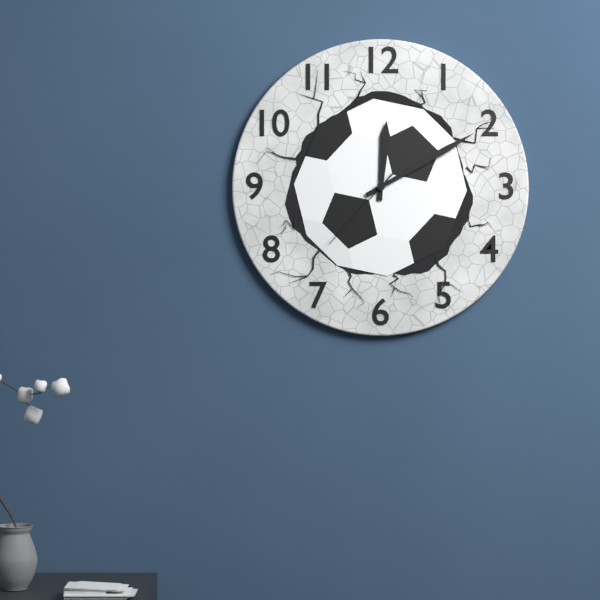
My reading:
12h10m37s
